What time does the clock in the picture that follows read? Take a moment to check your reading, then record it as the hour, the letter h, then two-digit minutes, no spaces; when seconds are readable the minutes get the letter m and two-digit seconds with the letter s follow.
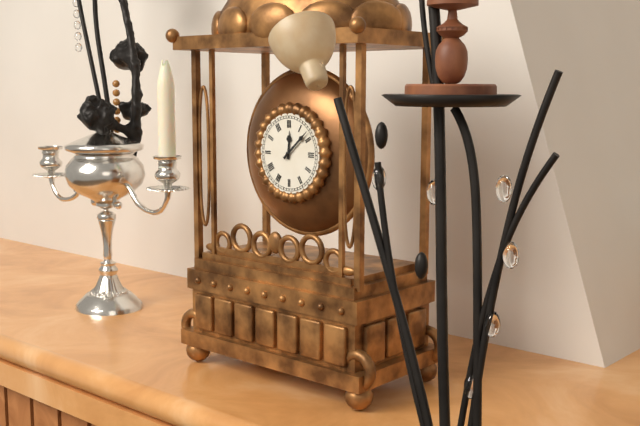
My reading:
12h08
